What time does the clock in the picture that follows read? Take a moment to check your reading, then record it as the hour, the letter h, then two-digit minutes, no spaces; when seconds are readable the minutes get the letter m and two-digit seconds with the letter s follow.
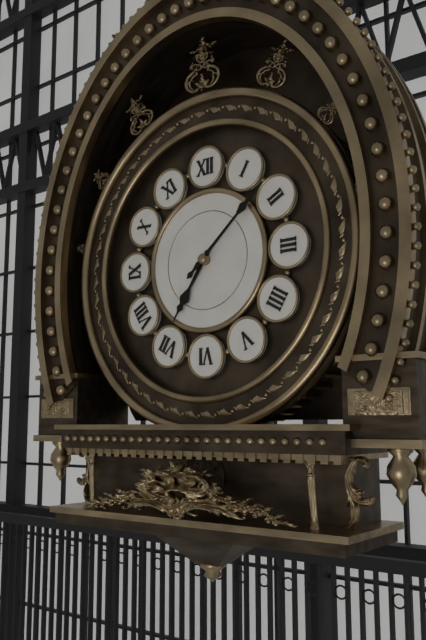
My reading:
7h08
